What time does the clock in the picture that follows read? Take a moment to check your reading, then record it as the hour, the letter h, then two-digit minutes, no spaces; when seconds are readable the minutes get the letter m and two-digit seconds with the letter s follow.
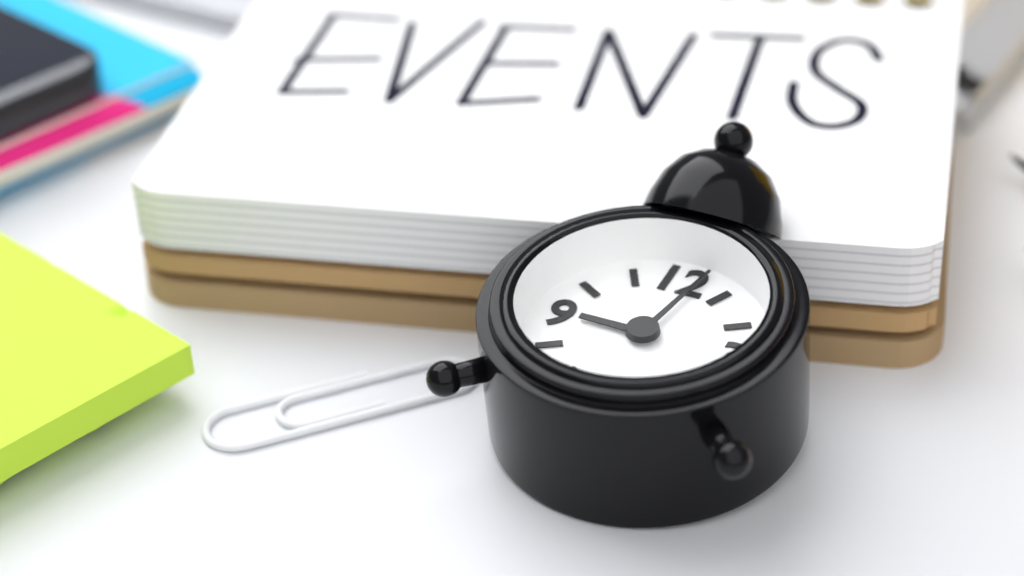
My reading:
9h02
